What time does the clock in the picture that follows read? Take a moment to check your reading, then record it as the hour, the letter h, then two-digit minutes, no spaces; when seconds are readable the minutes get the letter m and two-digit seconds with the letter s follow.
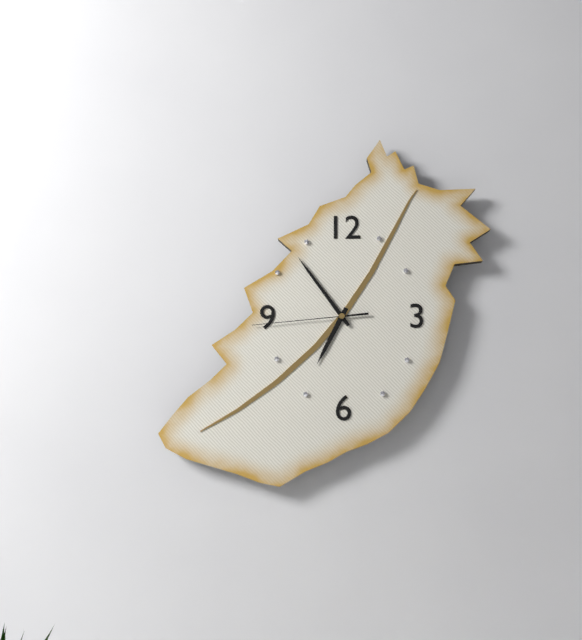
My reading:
6h54m44s
